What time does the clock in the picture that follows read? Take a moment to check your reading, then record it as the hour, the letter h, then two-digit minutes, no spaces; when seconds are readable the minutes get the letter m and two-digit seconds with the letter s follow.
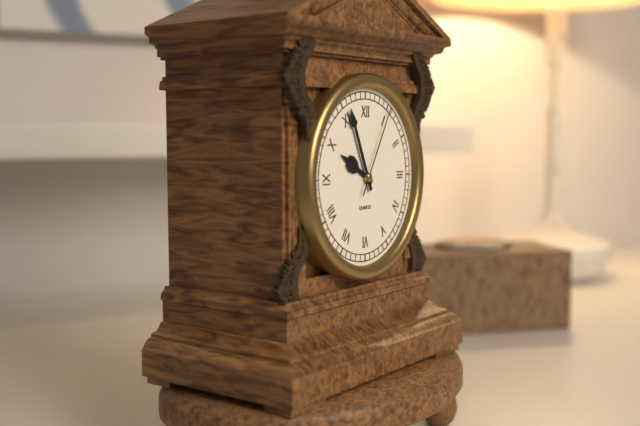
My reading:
9h56m05s
